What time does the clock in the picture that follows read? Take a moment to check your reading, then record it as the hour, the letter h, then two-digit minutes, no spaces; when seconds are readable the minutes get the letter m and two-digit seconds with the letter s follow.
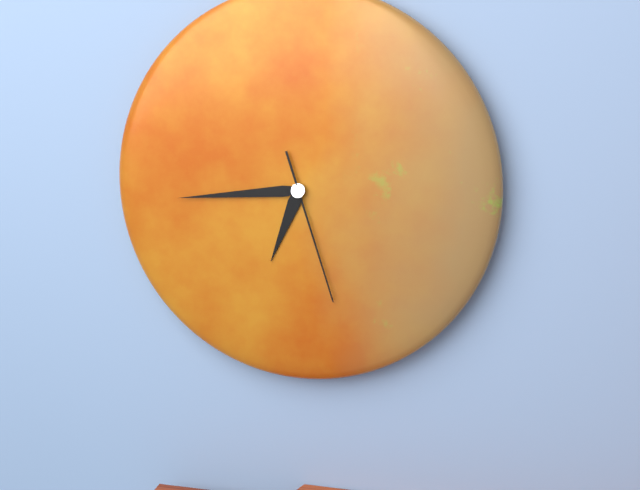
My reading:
6h44m27s
